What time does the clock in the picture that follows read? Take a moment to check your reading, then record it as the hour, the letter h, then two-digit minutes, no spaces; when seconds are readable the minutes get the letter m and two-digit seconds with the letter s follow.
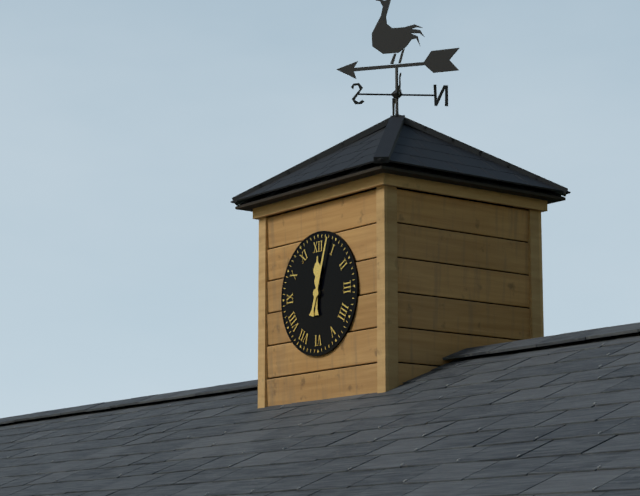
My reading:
12h03
